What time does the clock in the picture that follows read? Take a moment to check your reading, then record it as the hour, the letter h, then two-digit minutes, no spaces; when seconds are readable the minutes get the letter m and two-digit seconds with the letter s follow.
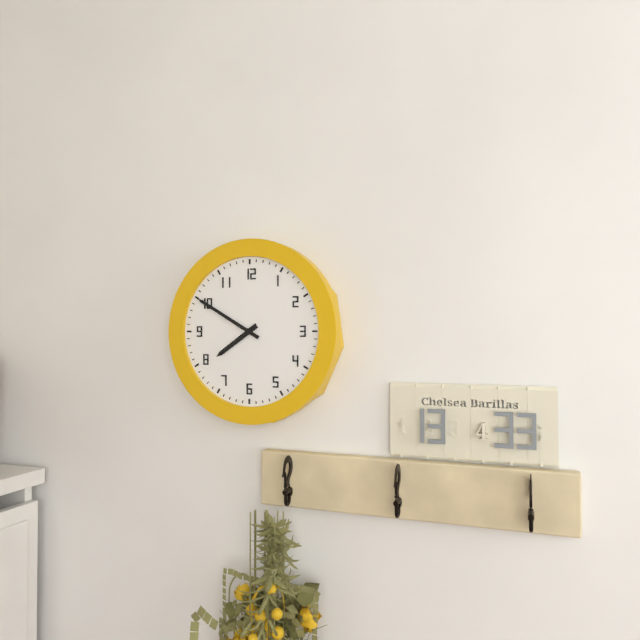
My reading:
7h50
